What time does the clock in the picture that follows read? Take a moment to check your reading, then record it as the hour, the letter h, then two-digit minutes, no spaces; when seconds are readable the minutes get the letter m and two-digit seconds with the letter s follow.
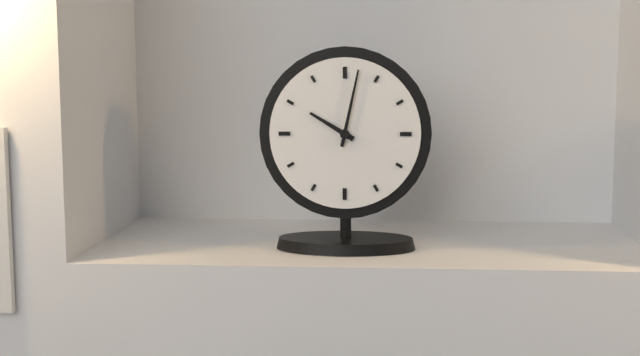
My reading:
10h02
